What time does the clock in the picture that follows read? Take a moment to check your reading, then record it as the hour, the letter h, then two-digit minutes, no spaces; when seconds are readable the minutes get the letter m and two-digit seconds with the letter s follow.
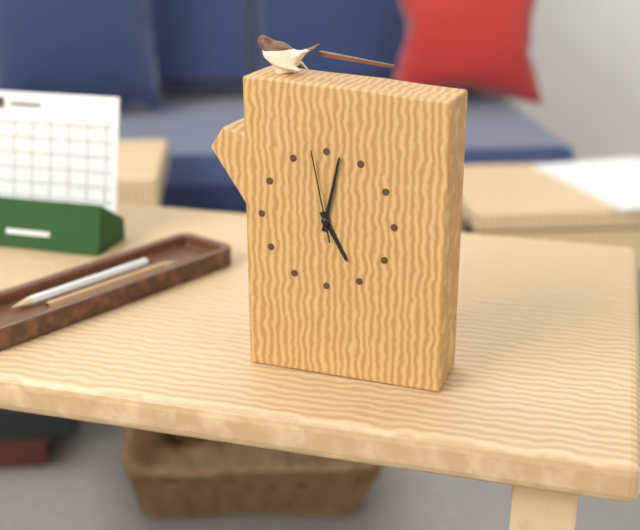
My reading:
5h02m58s
